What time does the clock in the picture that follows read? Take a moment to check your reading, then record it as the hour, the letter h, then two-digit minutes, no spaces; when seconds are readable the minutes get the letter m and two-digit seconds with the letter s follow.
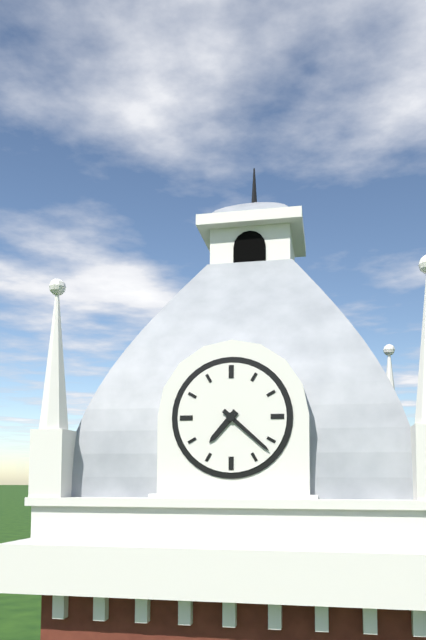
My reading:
7h22
